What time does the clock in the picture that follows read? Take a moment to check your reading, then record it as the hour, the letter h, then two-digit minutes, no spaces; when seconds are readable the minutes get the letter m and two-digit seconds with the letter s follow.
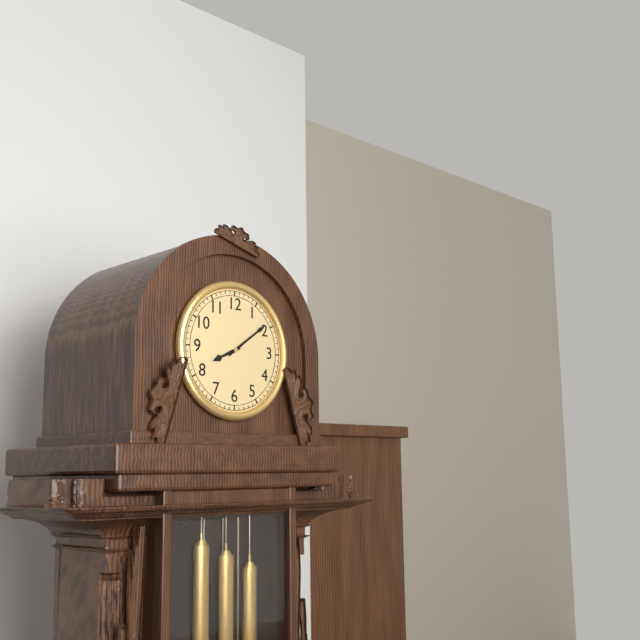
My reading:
8h09
